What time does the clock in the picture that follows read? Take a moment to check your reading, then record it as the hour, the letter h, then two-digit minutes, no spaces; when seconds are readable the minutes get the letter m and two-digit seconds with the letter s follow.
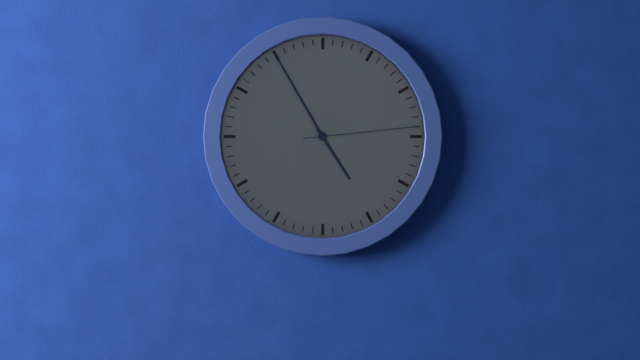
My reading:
4h55m14s
